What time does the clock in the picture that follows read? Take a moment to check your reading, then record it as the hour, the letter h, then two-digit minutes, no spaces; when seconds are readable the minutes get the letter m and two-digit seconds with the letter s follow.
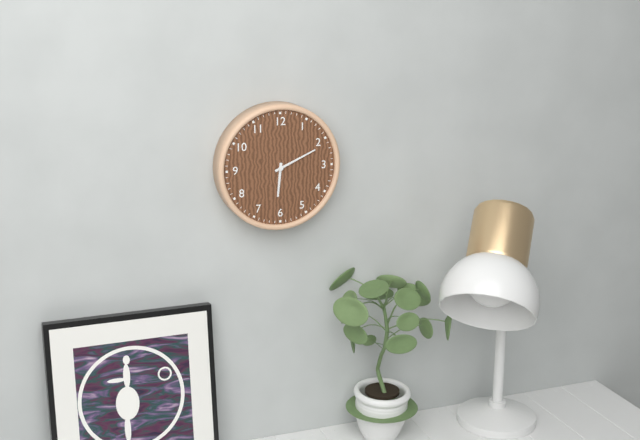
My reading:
6h11
